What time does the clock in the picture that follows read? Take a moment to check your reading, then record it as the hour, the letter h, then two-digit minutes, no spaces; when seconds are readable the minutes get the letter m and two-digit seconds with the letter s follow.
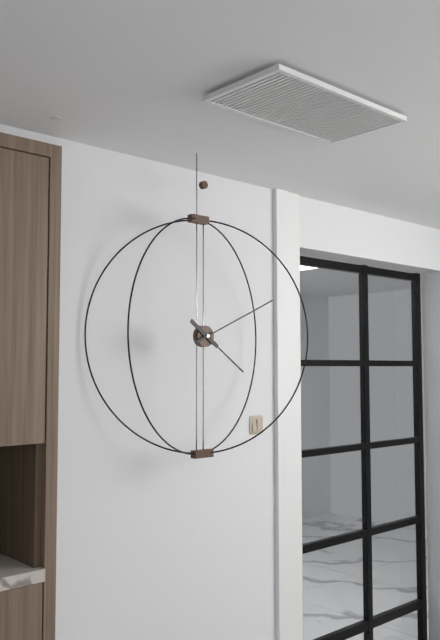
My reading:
4h11
